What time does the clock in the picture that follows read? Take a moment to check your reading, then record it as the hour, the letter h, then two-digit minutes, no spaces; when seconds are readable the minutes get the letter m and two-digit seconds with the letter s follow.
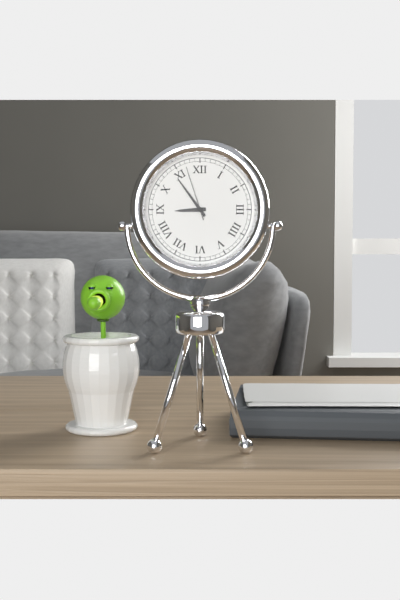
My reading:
8h54m57s
